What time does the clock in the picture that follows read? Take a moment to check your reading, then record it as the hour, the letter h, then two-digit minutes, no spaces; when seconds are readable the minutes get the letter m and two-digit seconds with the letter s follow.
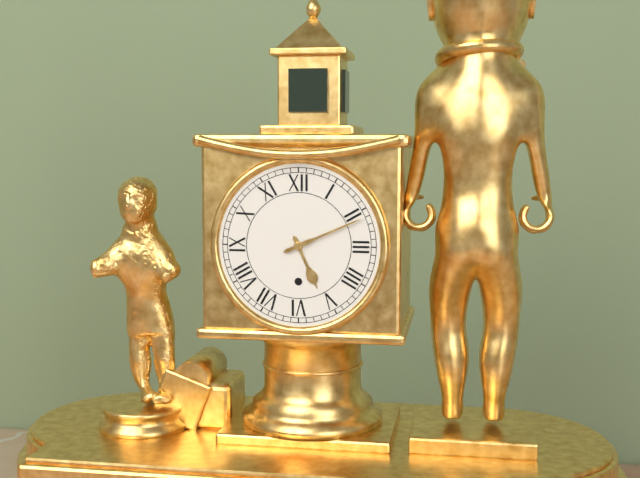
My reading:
5h11
